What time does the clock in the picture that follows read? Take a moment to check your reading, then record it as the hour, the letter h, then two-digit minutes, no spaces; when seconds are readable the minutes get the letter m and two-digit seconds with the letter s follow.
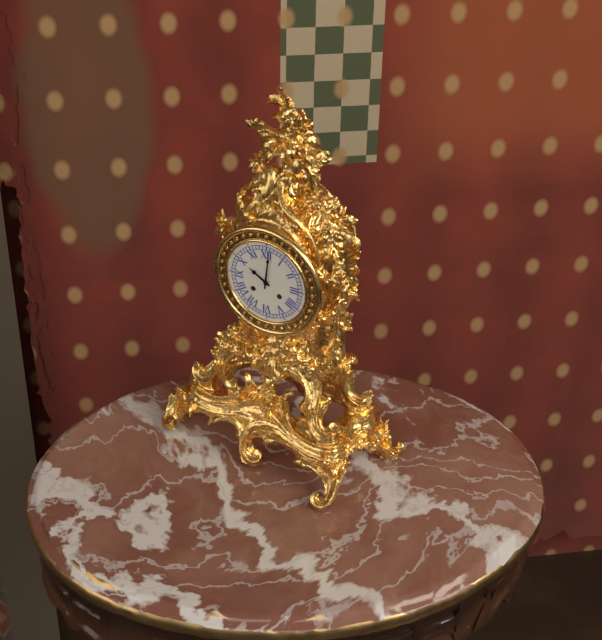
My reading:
10h01
